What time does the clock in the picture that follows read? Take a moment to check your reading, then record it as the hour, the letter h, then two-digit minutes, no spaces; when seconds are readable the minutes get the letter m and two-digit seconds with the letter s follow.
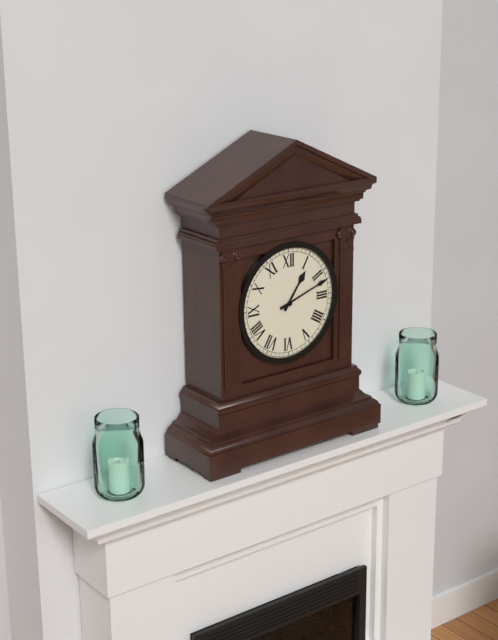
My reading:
1h12
